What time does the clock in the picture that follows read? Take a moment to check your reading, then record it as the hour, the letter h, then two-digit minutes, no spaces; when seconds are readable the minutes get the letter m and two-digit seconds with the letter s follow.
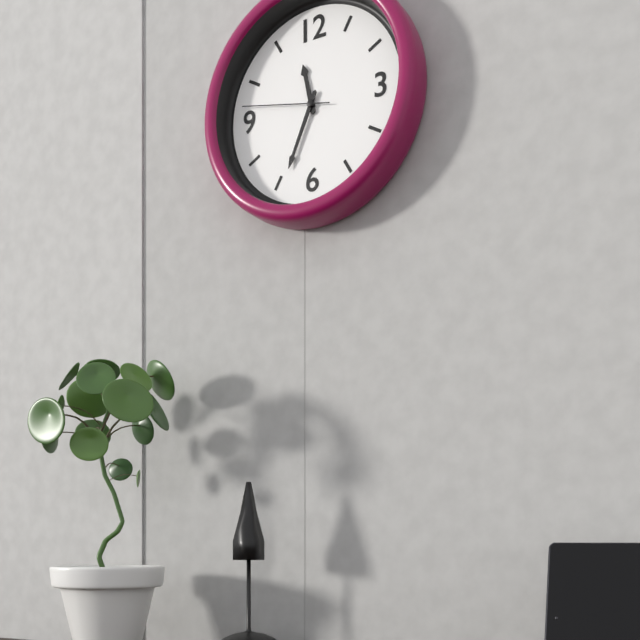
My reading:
11h34m47s
